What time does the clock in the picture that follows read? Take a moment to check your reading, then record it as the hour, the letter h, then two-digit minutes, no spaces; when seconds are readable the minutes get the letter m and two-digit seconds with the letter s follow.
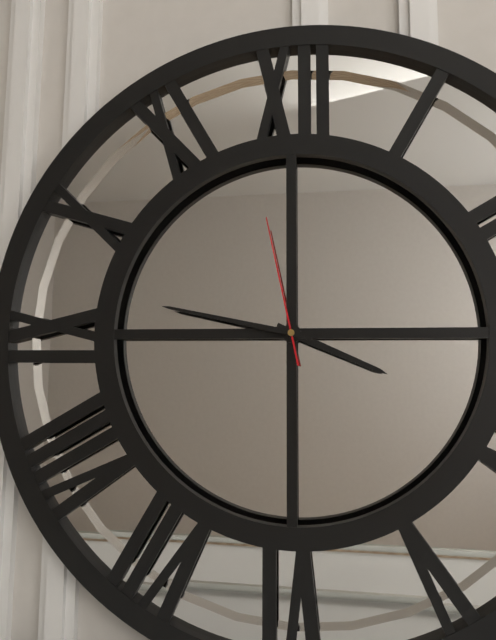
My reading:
3h47m58s
